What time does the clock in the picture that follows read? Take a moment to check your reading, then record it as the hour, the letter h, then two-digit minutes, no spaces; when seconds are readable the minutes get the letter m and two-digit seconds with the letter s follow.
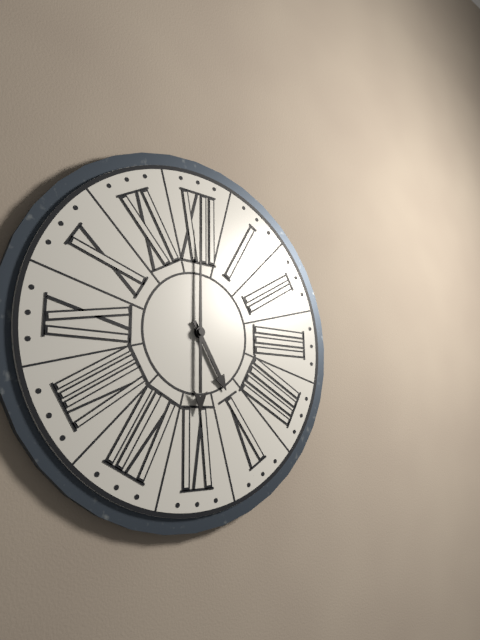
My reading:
5h00
